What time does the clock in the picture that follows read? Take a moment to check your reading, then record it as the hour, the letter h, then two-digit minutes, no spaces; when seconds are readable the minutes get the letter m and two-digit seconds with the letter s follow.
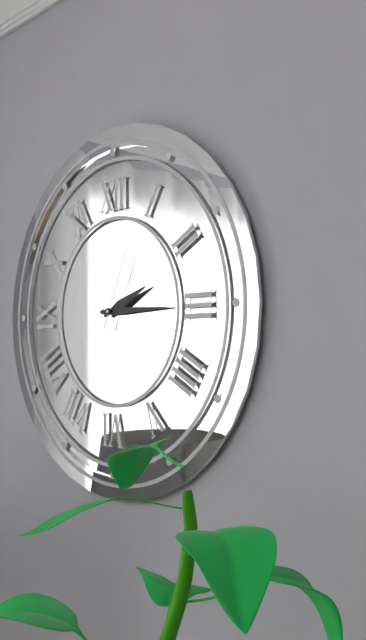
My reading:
2h15m04s
